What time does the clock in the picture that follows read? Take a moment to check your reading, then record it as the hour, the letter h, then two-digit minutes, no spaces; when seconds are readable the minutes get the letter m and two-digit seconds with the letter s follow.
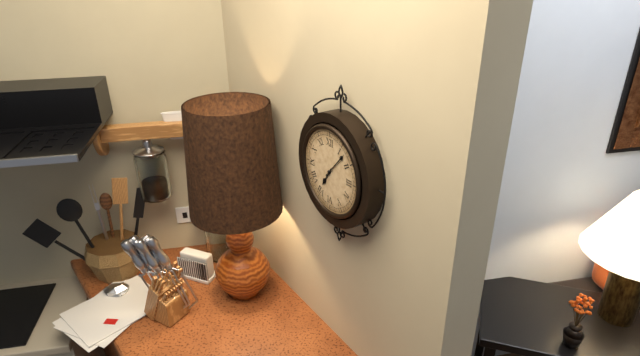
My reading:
7h07
